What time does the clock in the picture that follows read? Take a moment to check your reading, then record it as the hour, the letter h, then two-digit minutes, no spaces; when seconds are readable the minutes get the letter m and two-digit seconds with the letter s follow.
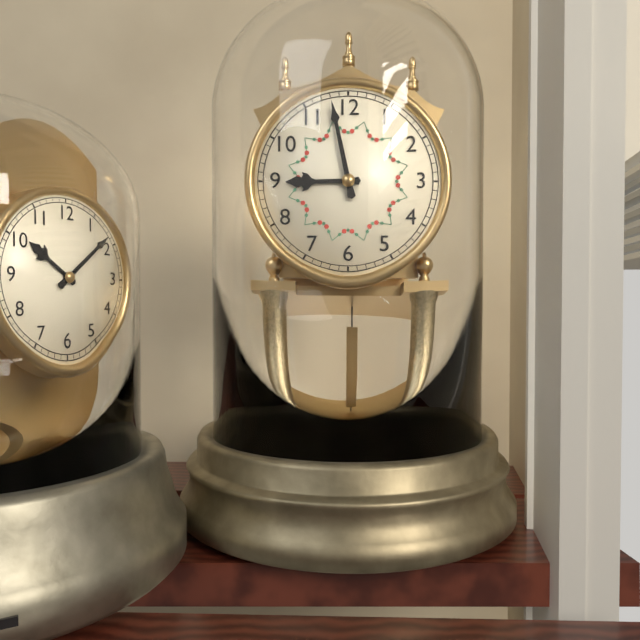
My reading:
8h58
